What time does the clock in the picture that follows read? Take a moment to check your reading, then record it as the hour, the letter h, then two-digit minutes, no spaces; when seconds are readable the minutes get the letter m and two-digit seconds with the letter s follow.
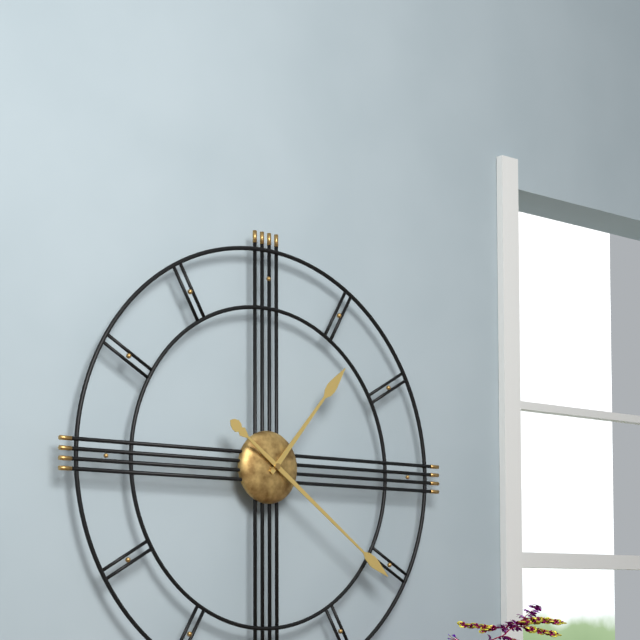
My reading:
1h21
